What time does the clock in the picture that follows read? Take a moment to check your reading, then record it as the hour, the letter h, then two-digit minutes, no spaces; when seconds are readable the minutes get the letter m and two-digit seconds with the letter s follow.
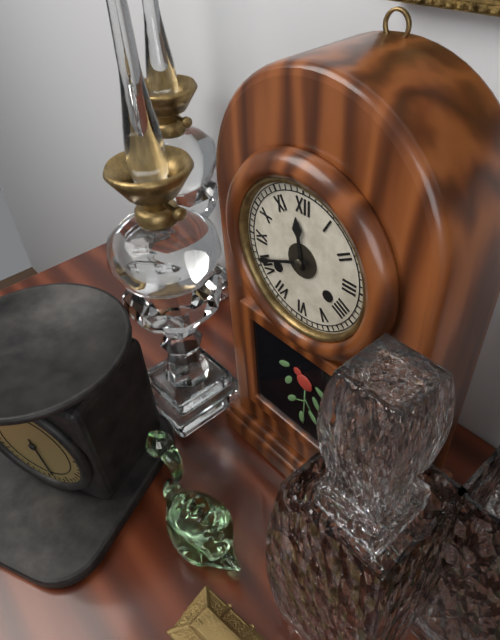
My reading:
11h41
